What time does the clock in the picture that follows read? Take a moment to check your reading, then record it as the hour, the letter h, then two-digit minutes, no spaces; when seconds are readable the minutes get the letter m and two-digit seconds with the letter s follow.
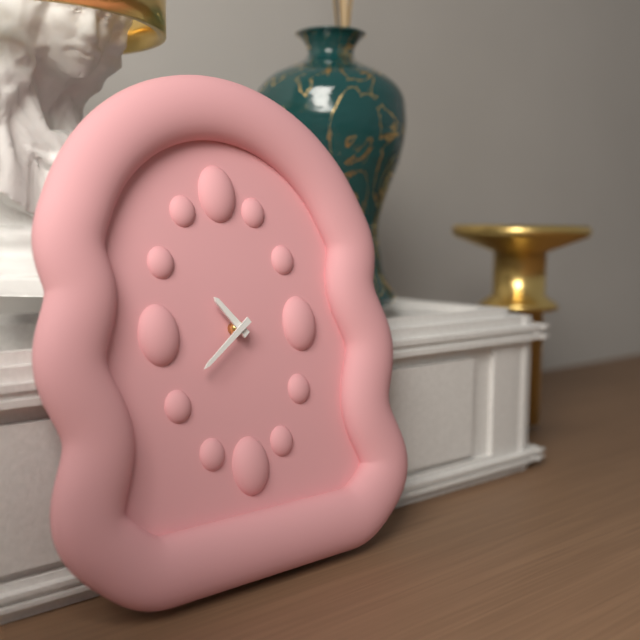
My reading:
10h39
